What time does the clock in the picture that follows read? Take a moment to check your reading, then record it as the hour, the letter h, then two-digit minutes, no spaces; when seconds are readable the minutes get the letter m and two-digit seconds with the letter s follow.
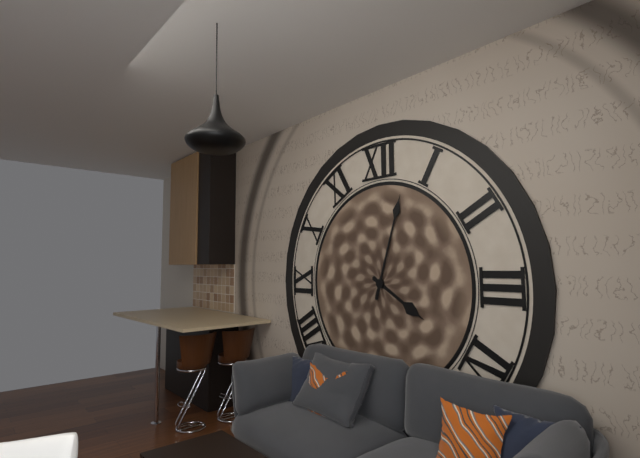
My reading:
4h03
